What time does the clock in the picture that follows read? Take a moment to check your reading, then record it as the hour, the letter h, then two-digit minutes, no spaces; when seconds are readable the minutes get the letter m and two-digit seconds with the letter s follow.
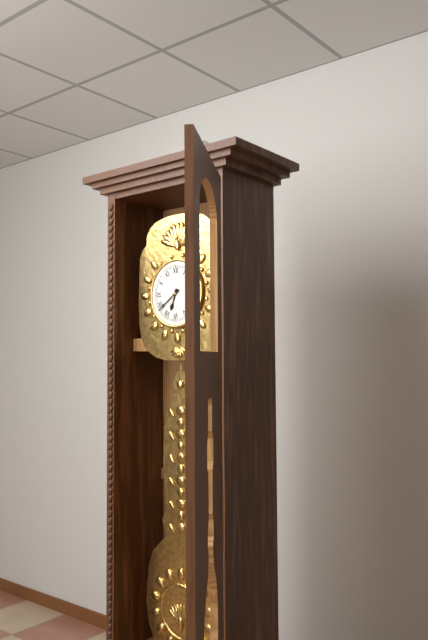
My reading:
6h39
